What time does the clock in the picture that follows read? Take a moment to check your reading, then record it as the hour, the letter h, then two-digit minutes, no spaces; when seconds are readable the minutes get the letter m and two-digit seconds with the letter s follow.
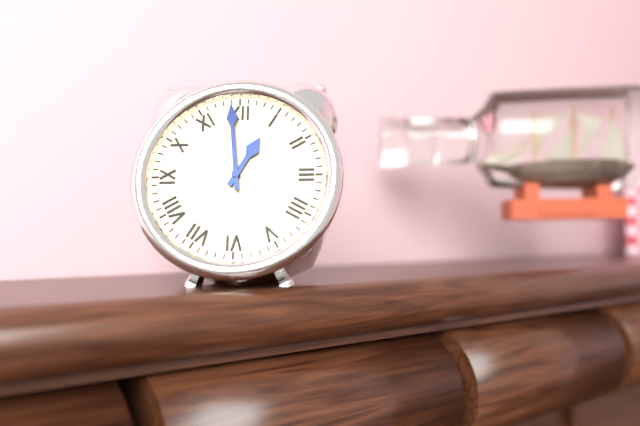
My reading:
12h59
